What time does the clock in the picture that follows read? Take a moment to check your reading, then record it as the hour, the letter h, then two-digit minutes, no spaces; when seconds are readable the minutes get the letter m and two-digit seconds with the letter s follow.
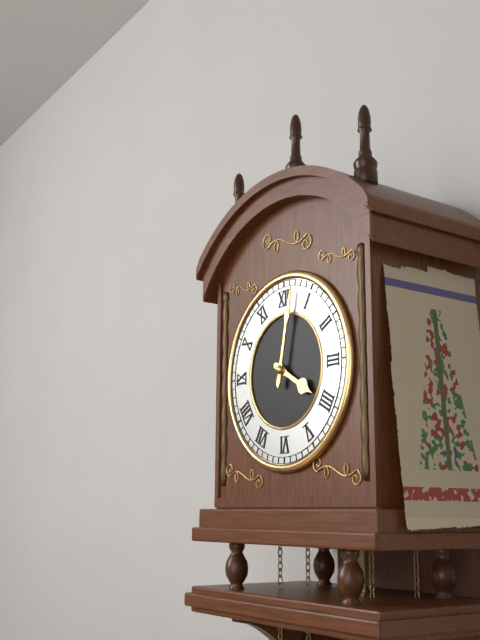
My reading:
4h02
